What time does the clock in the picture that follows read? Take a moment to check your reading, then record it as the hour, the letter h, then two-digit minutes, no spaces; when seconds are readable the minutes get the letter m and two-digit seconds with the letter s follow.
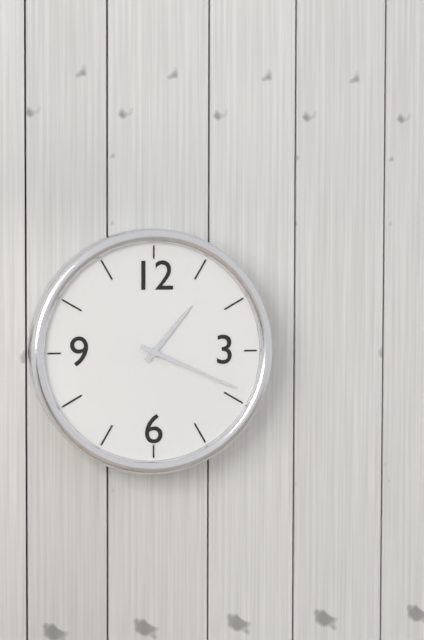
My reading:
1h19
